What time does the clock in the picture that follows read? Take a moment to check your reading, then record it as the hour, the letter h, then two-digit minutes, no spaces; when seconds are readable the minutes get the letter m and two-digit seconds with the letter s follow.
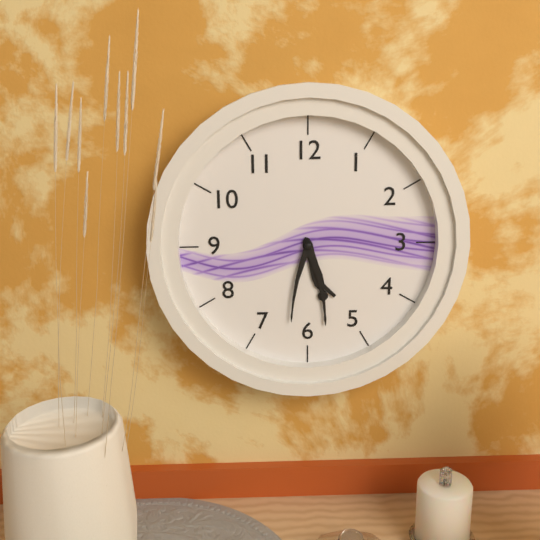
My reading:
5h28m32s
